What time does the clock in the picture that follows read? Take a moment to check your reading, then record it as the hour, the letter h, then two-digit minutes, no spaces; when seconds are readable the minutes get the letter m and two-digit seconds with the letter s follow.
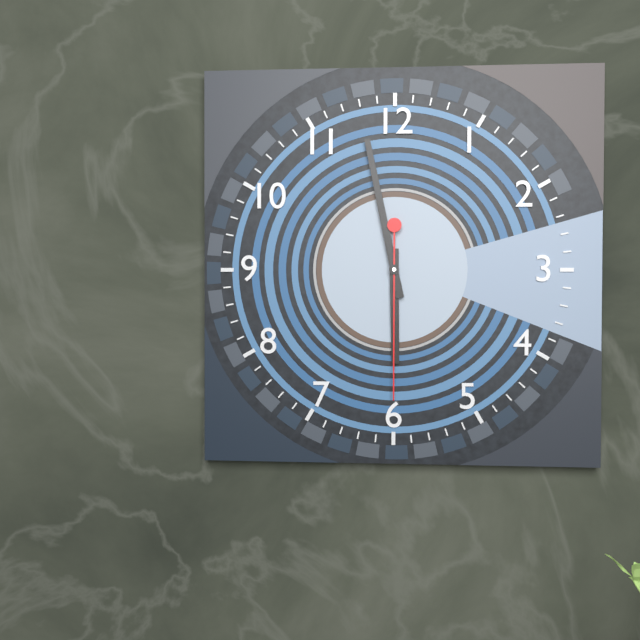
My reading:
5h58m30s
